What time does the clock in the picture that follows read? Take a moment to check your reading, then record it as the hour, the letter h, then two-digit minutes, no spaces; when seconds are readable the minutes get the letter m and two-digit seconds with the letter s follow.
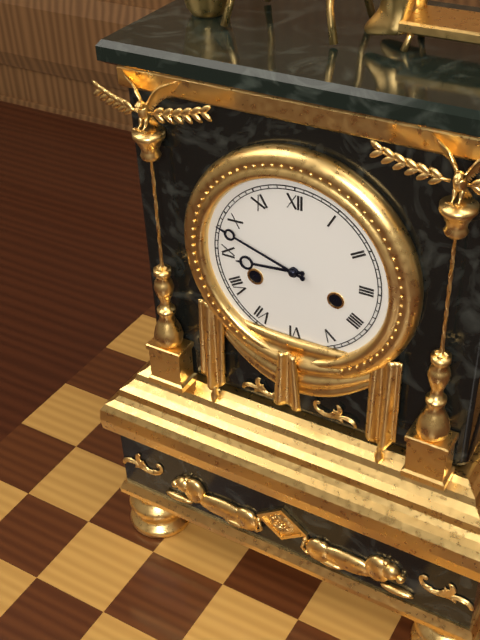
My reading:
8h48
